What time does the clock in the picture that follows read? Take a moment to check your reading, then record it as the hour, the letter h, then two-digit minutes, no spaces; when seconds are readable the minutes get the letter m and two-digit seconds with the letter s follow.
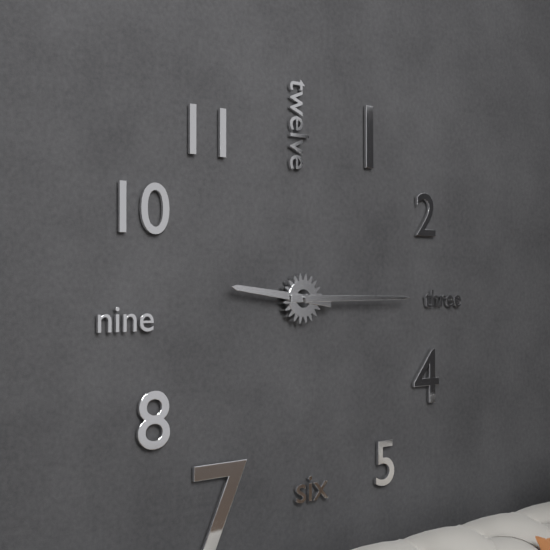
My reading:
9h15
